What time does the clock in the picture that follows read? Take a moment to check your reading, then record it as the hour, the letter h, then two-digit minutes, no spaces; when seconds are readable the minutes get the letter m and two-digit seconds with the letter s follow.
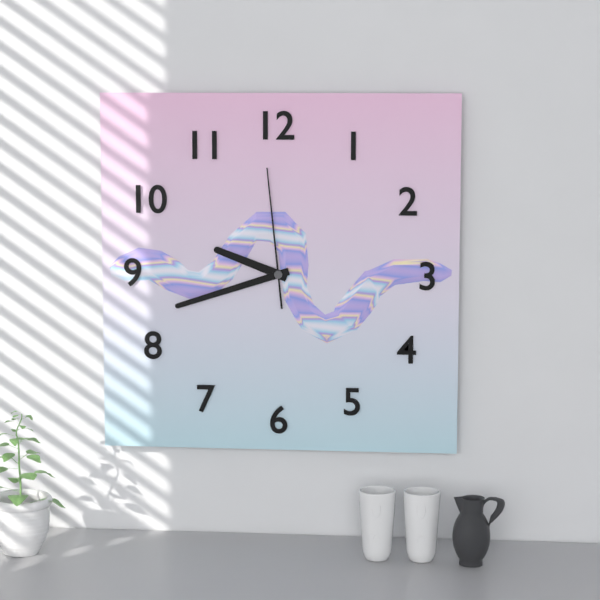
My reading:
9h42m59s
